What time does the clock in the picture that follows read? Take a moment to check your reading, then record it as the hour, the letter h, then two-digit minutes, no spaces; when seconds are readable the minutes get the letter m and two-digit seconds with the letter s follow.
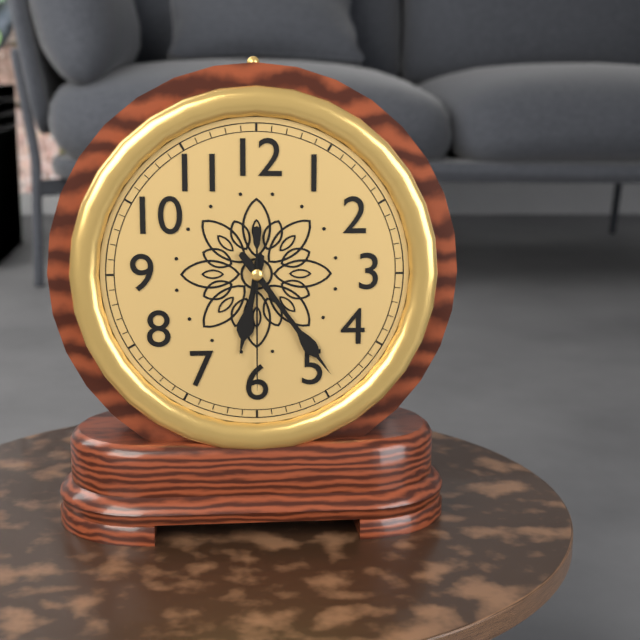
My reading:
6h24m30s
